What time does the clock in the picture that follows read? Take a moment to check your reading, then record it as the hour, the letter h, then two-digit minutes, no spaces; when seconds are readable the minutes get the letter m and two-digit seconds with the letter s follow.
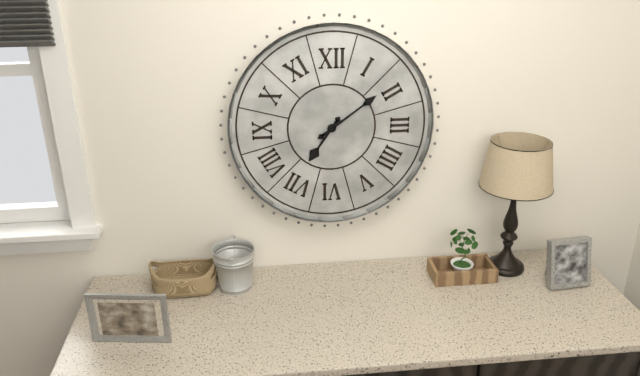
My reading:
7h09
